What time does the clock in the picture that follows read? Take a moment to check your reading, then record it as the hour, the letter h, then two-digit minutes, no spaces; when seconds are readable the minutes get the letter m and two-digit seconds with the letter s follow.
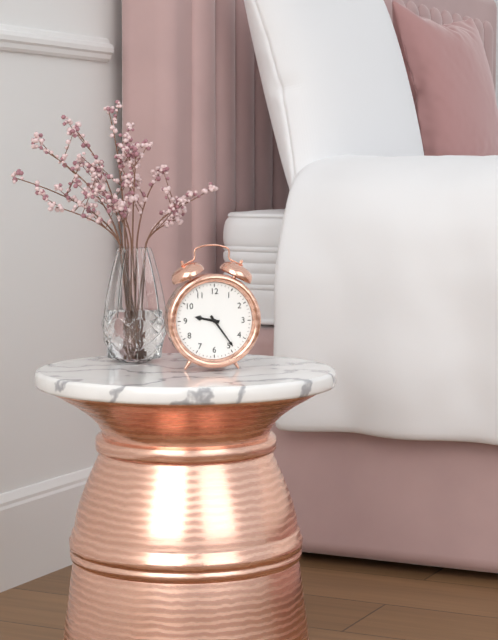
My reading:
9h24
